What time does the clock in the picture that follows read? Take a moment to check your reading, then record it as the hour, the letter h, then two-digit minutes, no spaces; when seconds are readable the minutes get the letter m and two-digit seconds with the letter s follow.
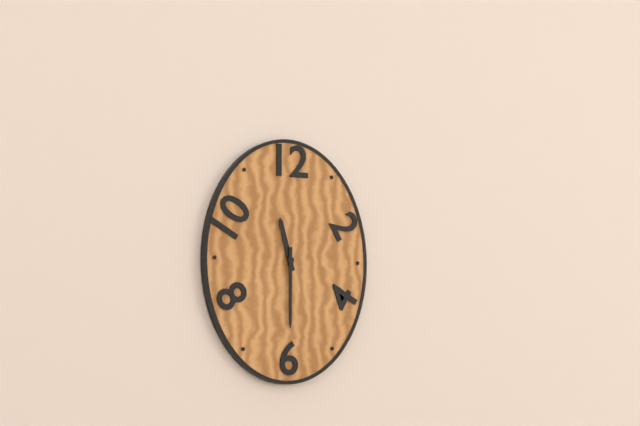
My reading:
11h30
